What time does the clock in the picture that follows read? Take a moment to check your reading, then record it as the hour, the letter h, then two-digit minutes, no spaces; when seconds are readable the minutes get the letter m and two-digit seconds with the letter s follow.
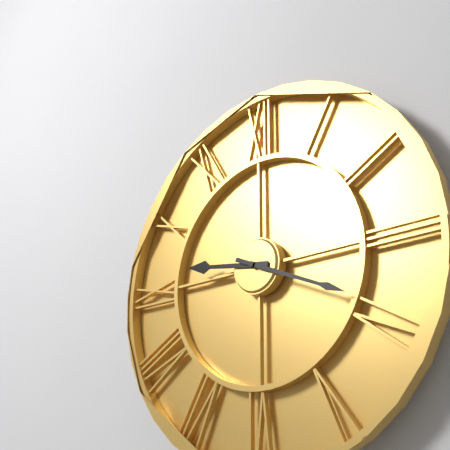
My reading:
9h19
